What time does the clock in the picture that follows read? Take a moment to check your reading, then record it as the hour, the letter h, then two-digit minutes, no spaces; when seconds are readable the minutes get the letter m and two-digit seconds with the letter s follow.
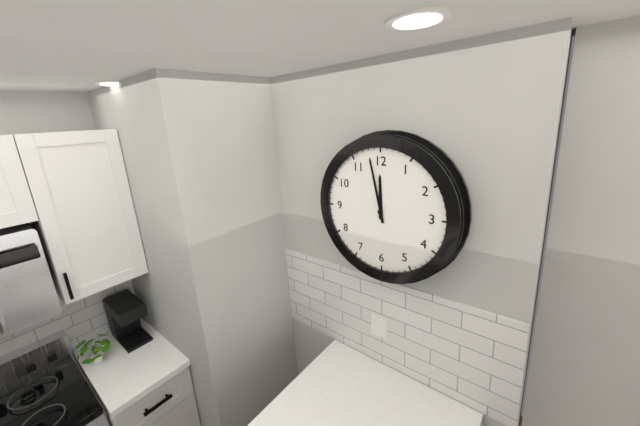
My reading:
11h58
